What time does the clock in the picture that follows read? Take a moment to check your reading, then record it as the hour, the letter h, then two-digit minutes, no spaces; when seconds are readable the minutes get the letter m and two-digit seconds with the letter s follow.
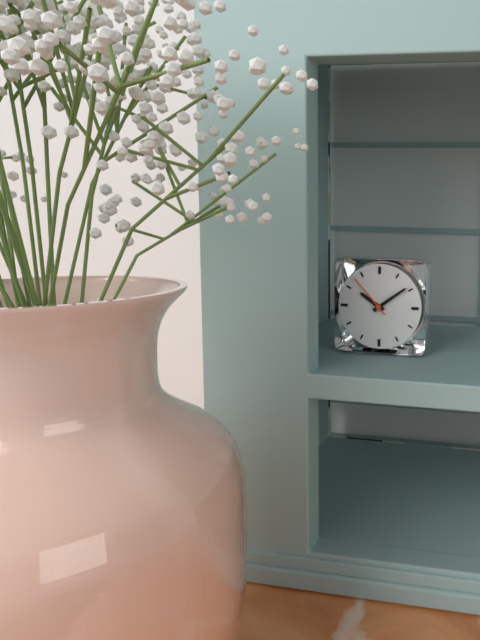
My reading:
10h09
